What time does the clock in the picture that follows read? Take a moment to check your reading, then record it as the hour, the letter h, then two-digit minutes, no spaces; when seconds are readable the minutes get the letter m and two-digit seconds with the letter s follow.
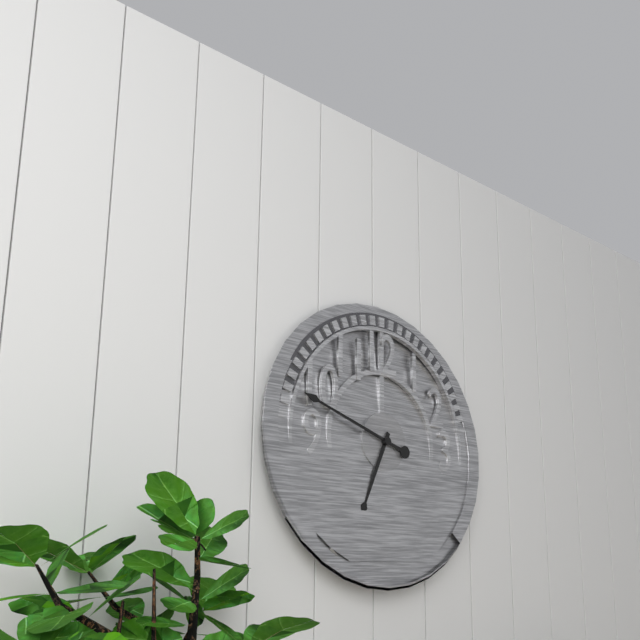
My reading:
6h48
